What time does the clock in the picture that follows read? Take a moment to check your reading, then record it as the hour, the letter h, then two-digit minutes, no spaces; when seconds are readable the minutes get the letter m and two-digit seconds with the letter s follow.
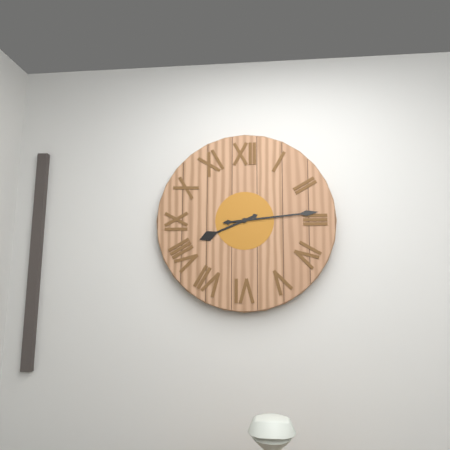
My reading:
8h14
